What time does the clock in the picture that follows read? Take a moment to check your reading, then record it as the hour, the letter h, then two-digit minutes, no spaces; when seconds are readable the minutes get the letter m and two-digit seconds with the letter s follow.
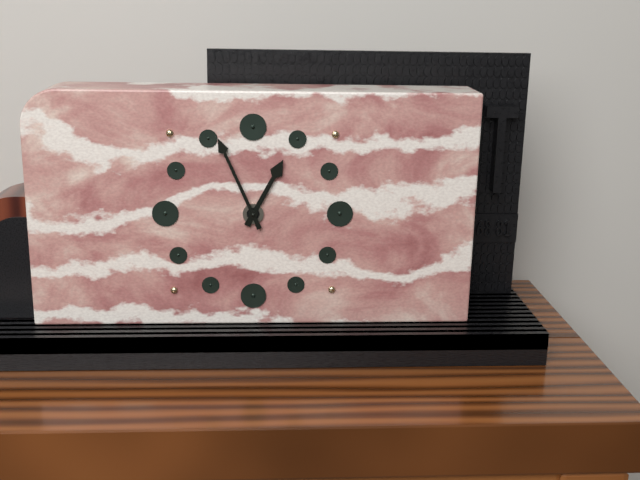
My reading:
12h56
